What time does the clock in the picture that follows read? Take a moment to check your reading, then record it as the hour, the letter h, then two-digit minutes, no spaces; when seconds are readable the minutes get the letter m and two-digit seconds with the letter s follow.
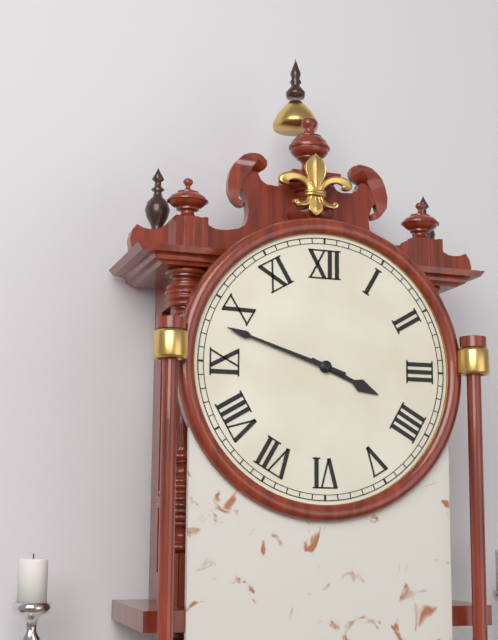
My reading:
3h48
